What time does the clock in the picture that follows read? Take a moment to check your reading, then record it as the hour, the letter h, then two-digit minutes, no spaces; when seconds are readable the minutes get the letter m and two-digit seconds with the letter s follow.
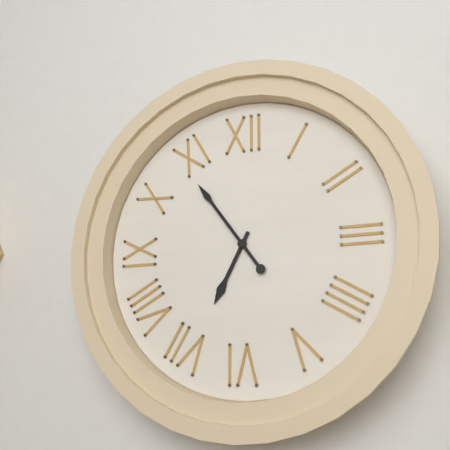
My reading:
6h54
